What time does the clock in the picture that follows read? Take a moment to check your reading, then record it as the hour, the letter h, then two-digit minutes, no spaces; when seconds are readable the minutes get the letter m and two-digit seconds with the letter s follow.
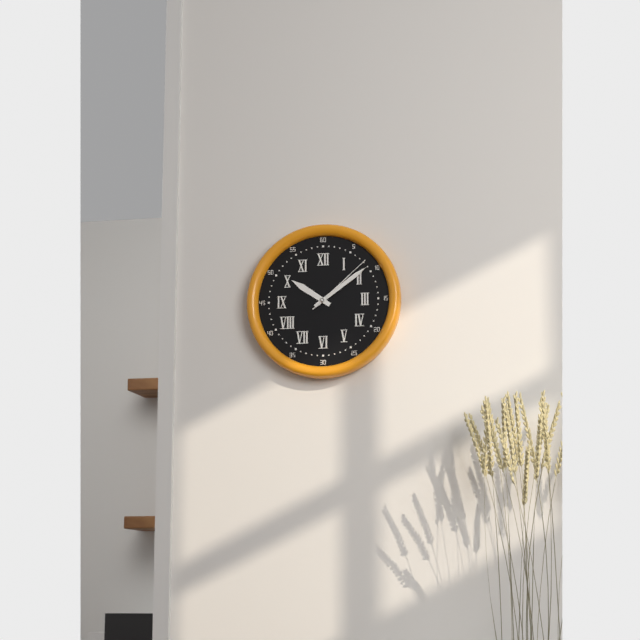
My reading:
10h09m08s
